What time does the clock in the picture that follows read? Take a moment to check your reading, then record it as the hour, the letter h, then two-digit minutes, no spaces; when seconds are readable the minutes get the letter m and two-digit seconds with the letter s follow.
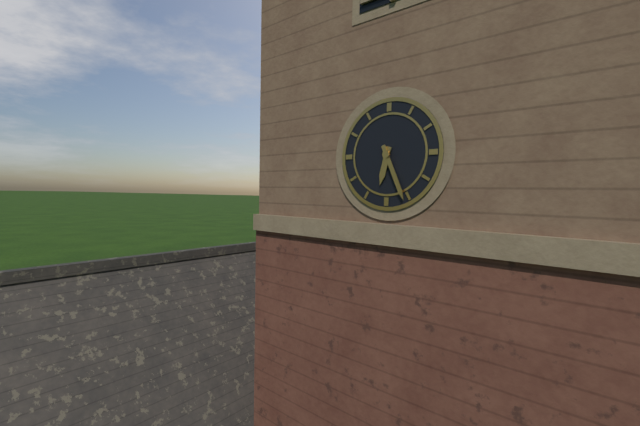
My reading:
6h26
